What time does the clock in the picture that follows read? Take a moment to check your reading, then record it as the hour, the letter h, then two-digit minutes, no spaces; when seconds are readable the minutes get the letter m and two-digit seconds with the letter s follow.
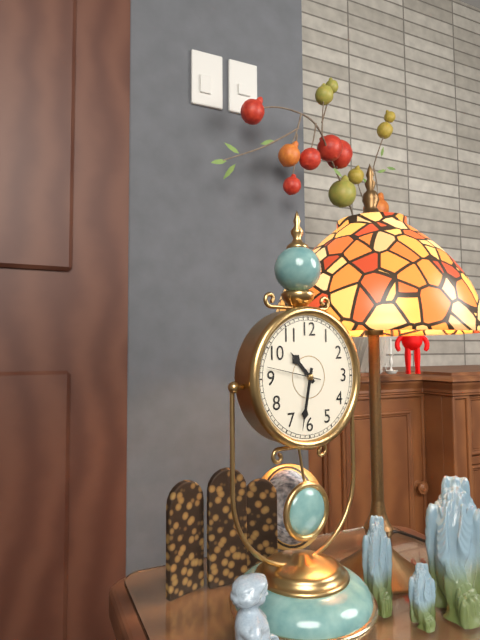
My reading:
10h32
